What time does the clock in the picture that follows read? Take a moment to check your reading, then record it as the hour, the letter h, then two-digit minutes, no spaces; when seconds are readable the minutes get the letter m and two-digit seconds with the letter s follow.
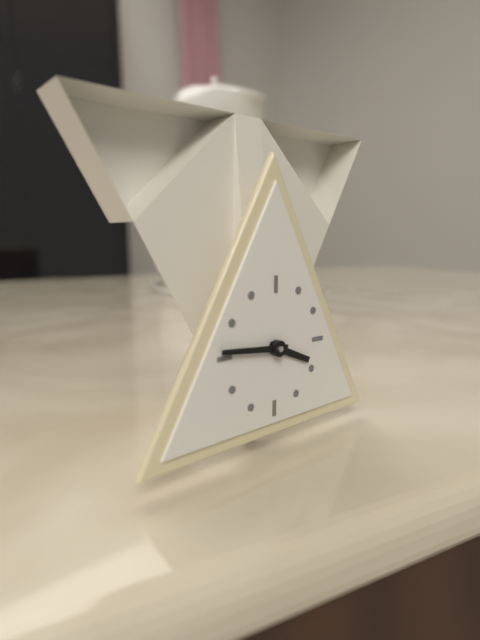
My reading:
3h46
